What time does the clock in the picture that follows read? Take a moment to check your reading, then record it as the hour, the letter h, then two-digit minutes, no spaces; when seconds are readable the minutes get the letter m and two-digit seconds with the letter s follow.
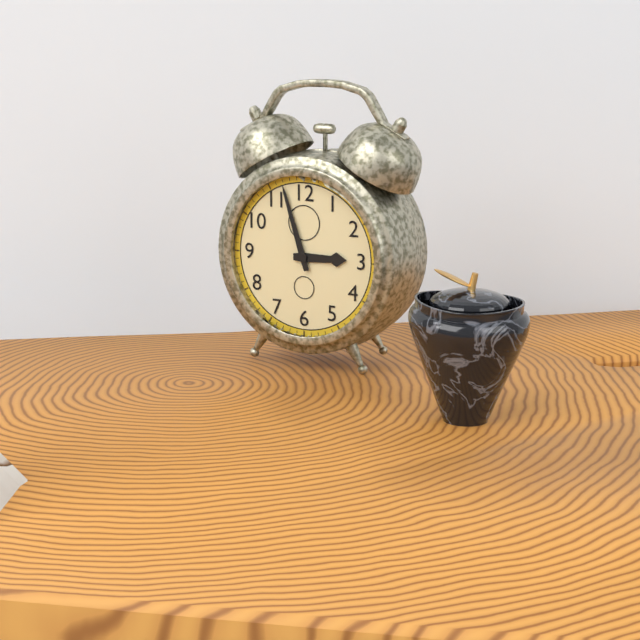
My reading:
2h57
